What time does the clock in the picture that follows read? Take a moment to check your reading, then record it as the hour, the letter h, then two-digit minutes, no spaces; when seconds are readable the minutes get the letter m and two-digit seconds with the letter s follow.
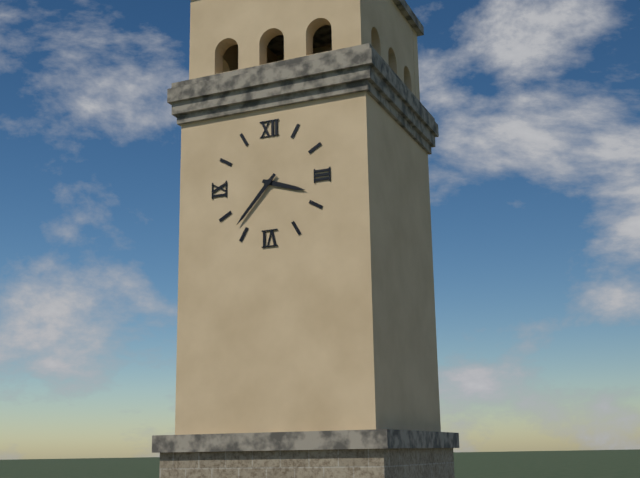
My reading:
3h37
